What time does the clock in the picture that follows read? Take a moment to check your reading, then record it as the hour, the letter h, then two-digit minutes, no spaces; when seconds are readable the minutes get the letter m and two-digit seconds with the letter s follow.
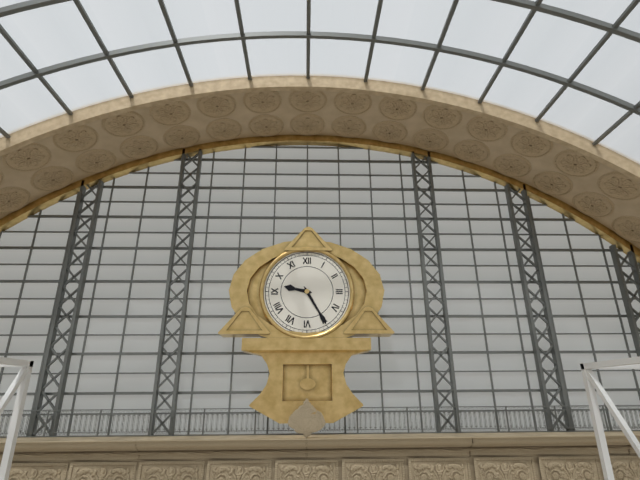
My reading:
9h25
